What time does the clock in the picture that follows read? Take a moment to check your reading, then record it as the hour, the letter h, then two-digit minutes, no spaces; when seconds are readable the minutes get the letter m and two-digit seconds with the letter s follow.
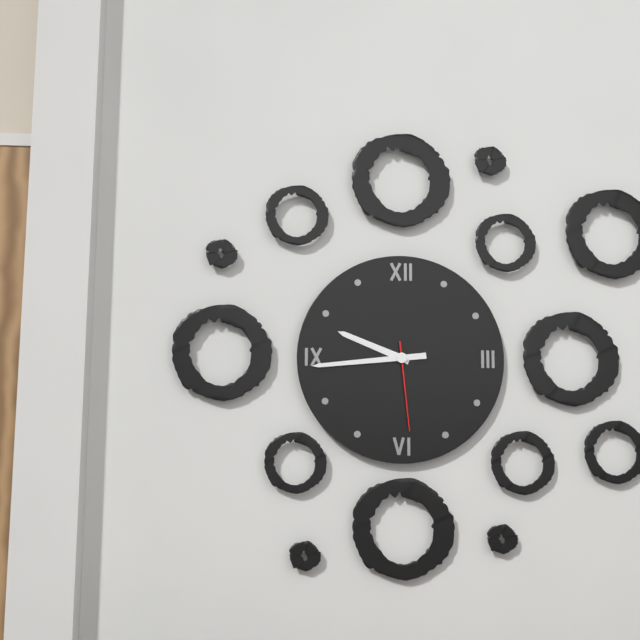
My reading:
9h44m29s
